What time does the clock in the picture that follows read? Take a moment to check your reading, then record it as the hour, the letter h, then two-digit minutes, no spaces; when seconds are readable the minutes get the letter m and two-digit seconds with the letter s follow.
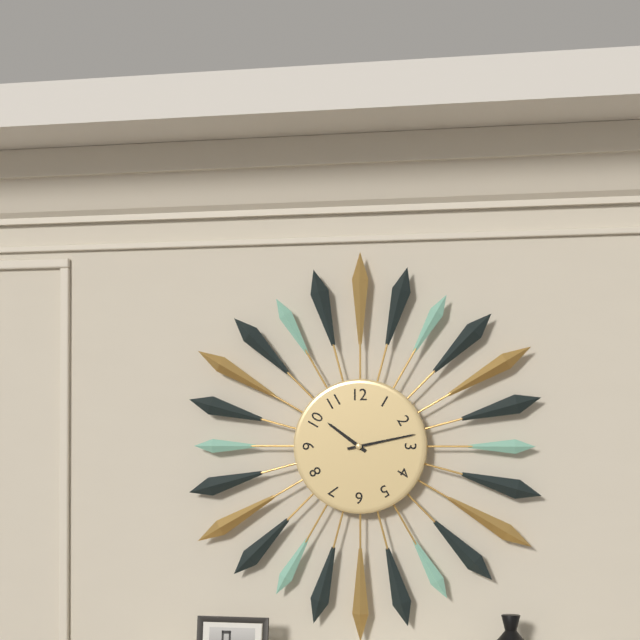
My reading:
10h13
